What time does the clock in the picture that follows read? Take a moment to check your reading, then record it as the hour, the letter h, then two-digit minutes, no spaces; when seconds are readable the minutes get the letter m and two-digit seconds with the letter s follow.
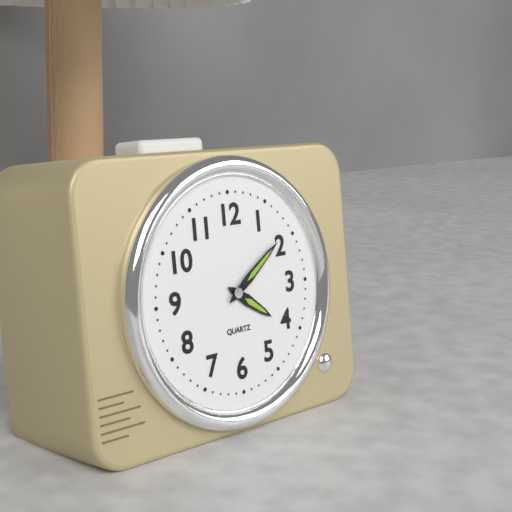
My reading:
4h09
